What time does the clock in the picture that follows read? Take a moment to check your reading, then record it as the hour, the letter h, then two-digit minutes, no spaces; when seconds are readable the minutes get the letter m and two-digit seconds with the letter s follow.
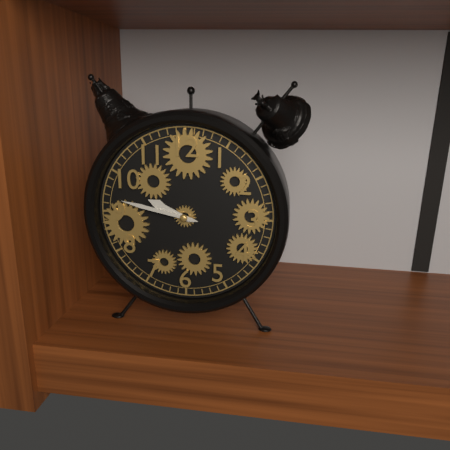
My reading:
9h47
